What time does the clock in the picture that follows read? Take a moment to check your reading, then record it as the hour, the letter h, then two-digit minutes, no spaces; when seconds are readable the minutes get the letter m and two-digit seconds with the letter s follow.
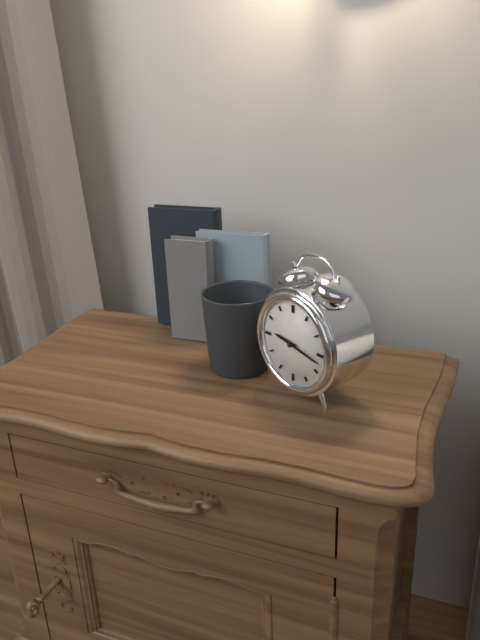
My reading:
9h17
